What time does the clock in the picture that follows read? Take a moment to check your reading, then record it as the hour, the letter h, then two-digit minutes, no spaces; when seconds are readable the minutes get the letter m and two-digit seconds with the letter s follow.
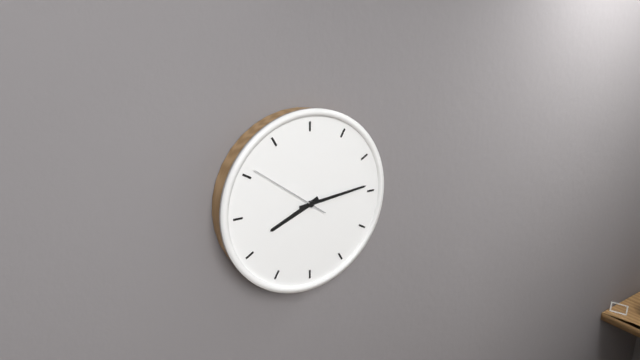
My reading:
8h14m51s
